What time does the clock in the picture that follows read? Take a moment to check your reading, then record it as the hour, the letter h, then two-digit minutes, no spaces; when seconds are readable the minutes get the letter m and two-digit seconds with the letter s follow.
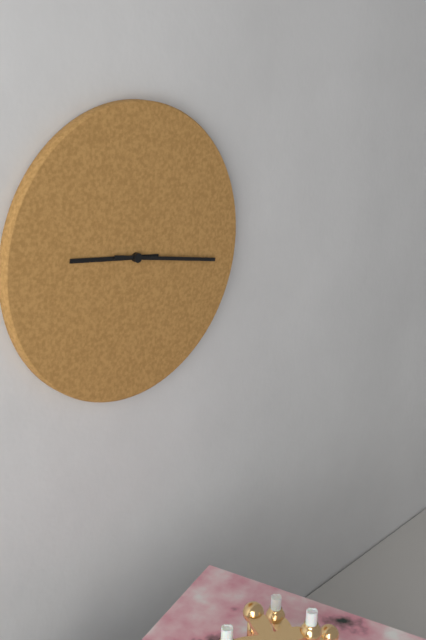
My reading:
9h17
